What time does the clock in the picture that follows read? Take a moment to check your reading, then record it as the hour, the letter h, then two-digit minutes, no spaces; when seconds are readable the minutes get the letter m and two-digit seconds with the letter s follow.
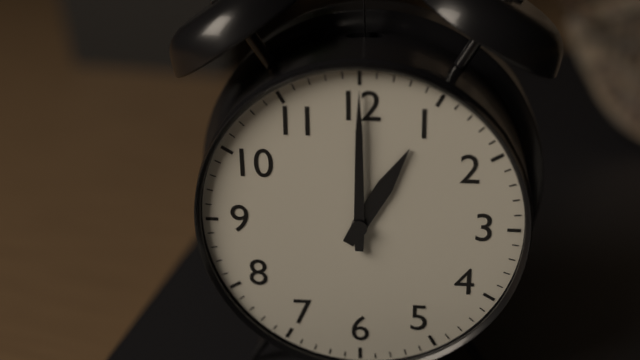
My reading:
1h00
